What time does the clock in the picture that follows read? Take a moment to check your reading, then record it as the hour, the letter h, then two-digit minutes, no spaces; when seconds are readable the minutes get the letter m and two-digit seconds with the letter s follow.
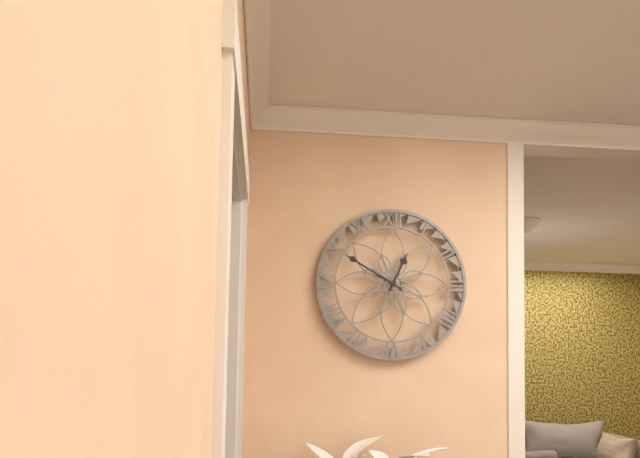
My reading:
12h50
